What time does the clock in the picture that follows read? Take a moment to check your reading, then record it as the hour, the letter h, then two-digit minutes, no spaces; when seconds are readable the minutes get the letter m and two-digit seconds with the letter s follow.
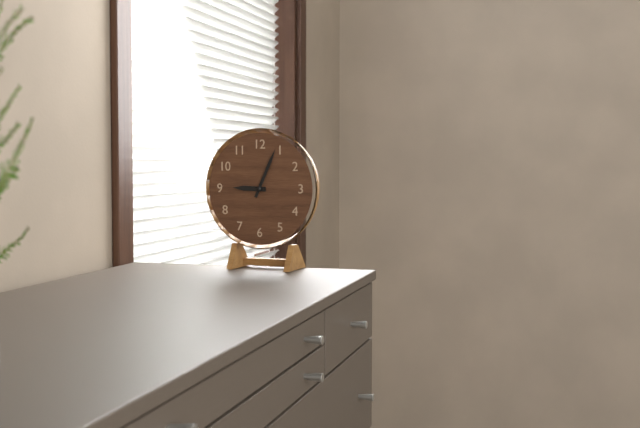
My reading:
9h04
